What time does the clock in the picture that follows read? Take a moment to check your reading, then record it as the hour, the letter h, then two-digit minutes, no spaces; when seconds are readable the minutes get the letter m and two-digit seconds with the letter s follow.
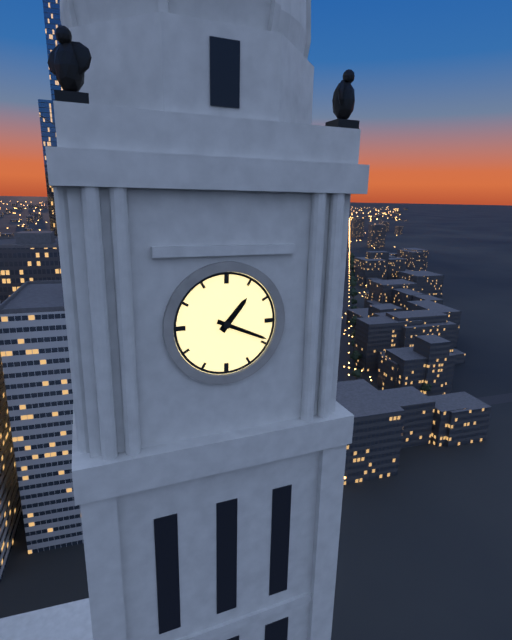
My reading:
1h19
